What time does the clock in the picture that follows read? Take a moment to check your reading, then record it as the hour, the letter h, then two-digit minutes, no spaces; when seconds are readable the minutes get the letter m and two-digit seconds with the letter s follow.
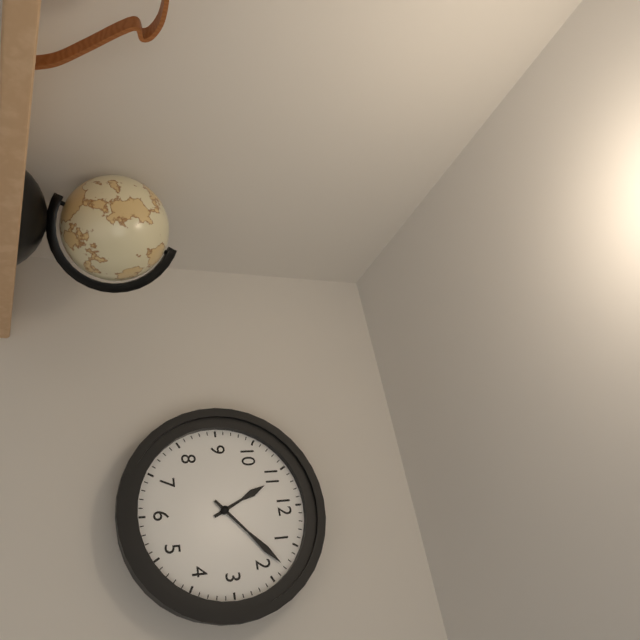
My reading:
11h08
